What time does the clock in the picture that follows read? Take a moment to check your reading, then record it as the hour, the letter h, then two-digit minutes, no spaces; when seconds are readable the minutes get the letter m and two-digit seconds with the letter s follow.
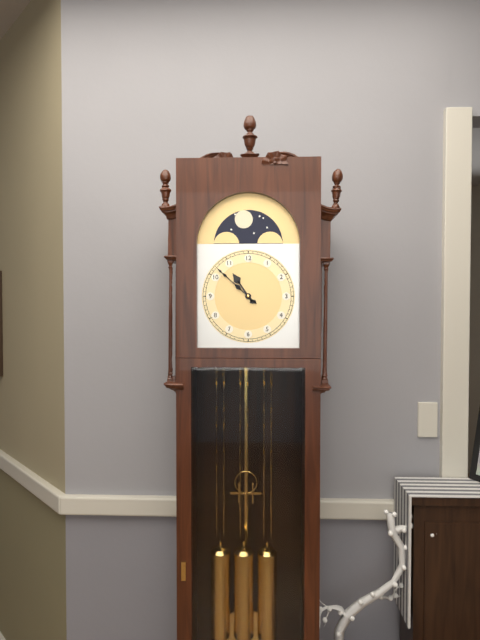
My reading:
10h52
